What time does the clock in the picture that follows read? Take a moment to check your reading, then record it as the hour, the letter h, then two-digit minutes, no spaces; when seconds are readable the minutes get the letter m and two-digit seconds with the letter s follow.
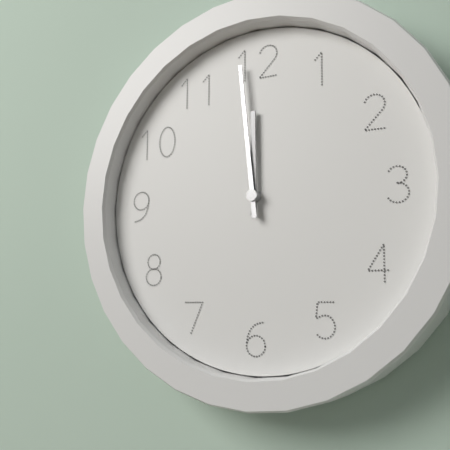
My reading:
11h59
